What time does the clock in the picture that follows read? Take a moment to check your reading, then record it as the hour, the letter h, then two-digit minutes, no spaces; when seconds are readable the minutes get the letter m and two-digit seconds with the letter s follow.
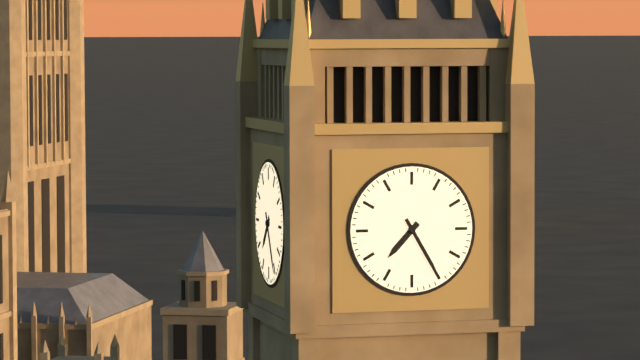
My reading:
7h25
